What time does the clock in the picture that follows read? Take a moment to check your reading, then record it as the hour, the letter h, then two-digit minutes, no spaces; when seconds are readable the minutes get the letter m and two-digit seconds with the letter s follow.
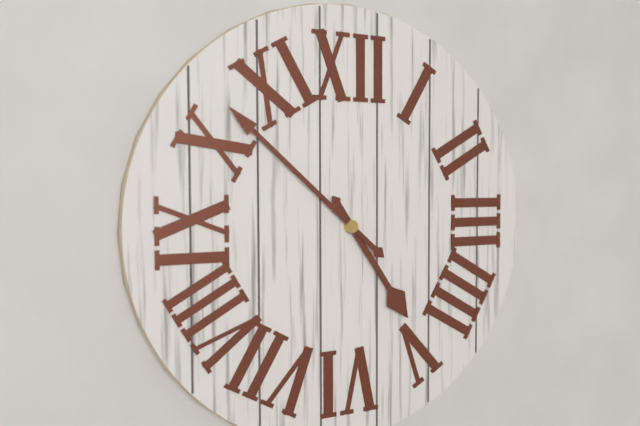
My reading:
4h52
